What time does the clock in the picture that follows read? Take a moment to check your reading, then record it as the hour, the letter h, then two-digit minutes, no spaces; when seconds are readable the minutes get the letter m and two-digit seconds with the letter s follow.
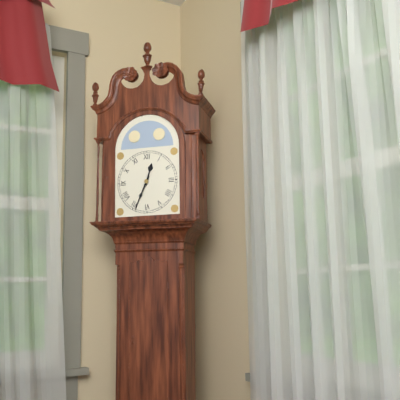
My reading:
12h34
